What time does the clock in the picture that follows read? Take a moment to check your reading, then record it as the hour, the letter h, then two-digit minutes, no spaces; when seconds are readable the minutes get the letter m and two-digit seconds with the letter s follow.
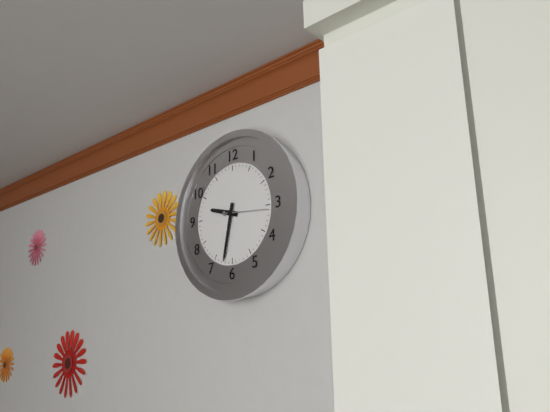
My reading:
9h32
